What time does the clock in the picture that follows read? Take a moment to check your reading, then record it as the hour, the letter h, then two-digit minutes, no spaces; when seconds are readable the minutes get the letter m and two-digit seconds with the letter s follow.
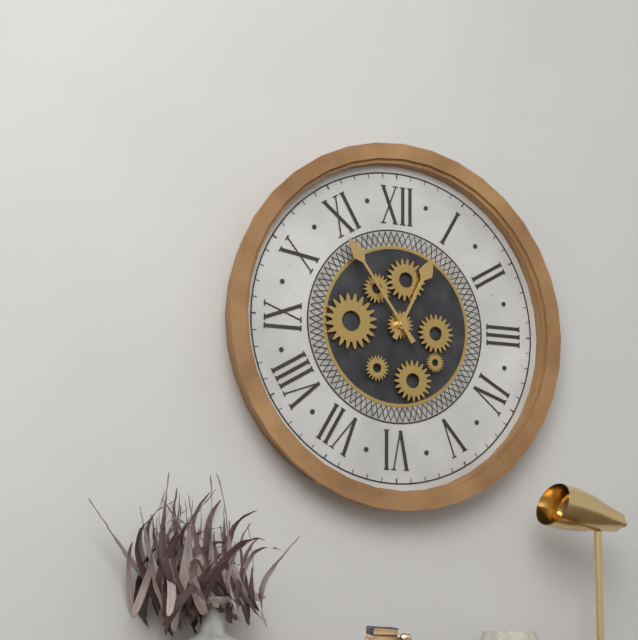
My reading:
12h54
